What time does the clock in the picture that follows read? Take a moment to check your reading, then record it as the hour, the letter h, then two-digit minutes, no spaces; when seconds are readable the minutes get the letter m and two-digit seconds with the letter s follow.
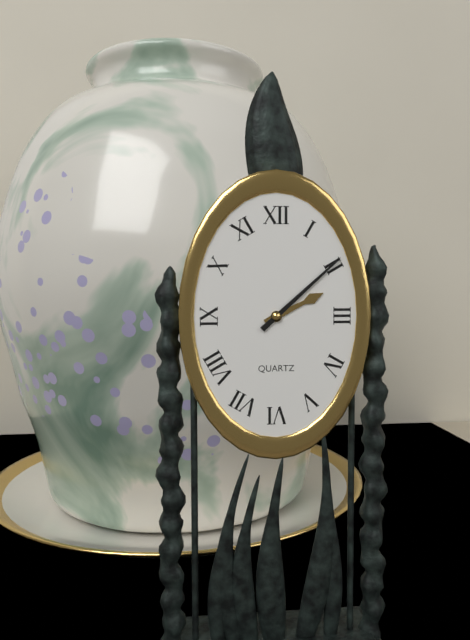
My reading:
2h08
